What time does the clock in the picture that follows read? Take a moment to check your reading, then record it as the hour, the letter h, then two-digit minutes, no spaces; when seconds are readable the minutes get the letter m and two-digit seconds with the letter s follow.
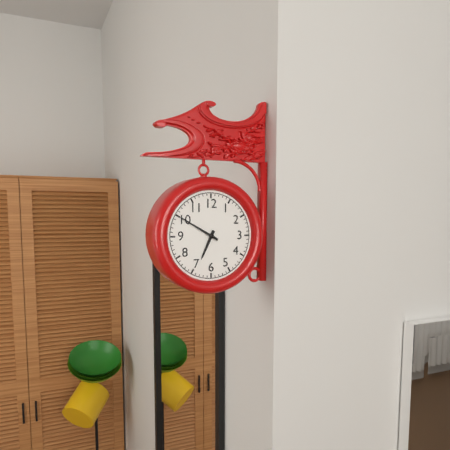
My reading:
6h50
